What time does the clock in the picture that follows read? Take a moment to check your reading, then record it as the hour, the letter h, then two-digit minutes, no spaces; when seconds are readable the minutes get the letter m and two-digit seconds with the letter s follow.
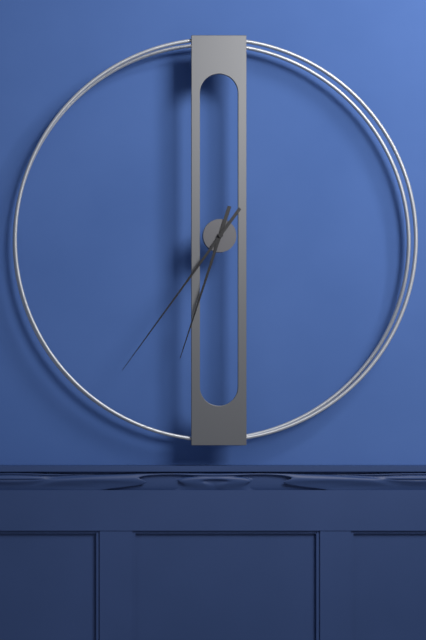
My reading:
6h36
